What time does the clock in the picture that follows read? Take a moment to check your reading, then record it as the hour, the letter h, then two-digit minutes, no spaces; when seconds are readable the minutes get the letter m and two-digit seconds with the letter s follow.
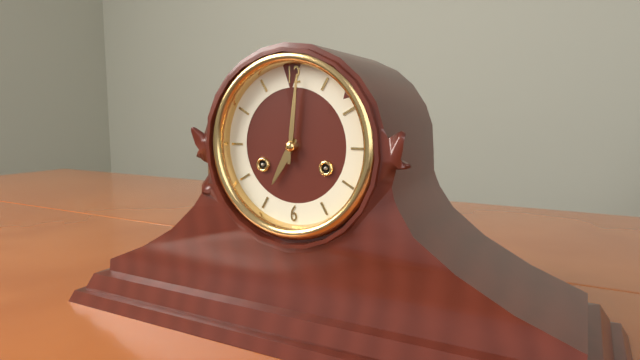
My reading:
7h01
